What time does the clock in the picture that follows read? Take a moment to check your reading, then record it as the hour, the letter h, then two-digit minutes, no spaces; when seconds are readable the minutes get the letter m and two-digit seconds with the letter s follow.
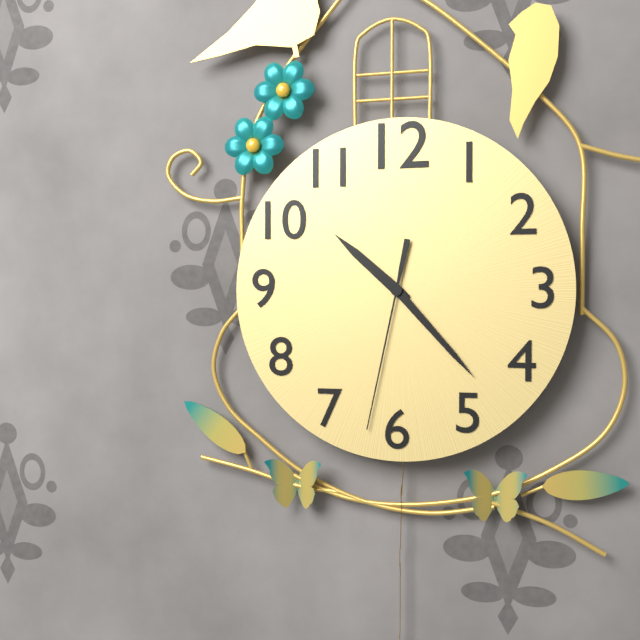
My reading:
10h23m32s
